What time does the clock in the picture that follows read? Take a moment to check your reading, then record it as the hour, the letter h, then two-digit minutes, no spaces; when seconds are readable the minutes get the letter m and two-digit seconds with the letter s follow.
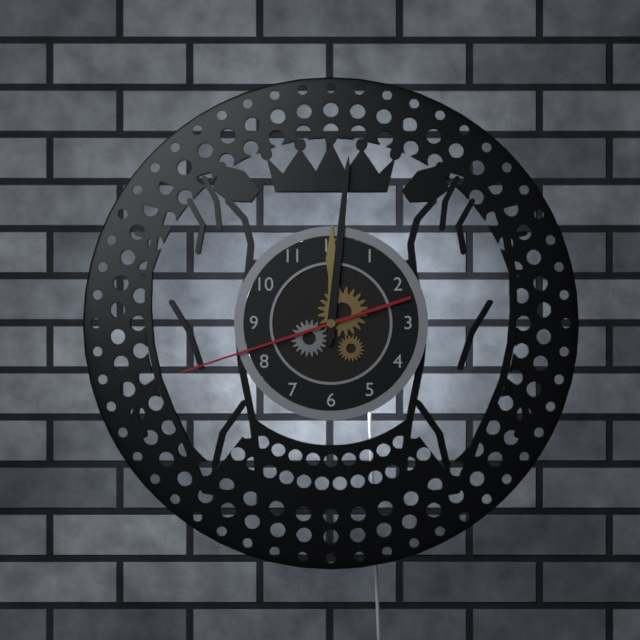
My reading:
12h01m42s
